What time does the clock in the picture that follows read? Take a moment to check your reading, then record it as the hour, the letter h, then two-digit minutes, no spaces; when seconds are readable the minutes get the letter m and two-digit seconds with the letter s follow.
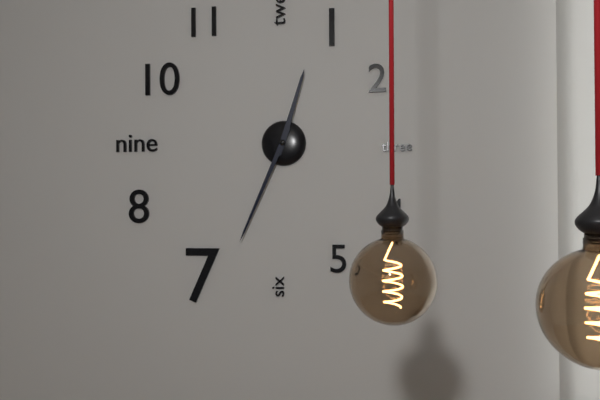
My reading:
12h34
